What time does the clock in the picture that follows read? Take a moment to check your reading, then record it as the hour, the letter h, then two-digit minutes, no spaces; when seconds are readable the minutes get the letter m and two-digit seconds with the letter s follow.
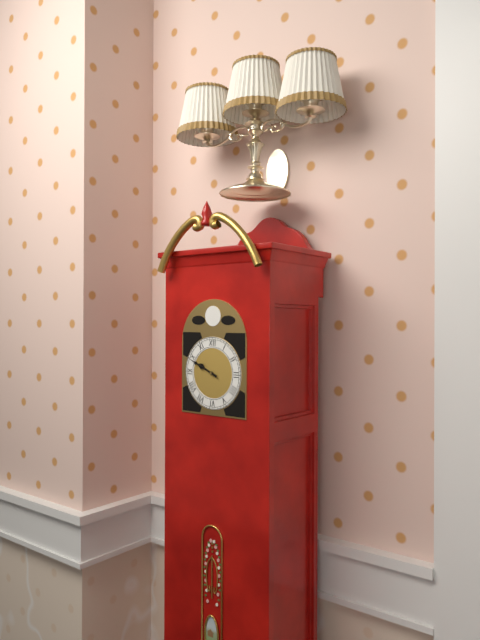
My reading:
9h49
